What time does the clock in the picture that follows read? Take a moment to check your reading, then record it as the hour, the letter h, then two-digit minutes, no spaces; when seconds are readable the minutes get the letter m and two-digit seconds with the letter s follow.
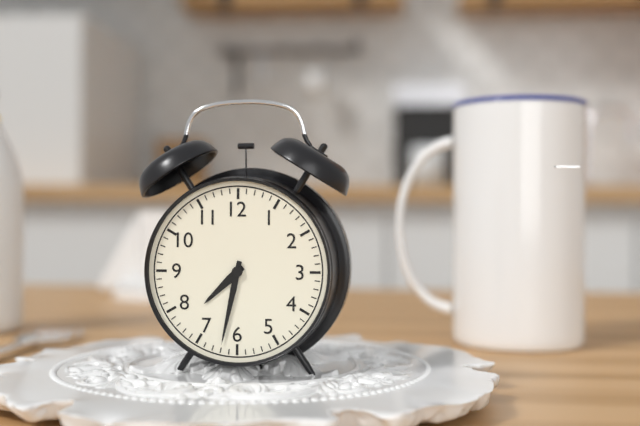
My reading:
7h32
